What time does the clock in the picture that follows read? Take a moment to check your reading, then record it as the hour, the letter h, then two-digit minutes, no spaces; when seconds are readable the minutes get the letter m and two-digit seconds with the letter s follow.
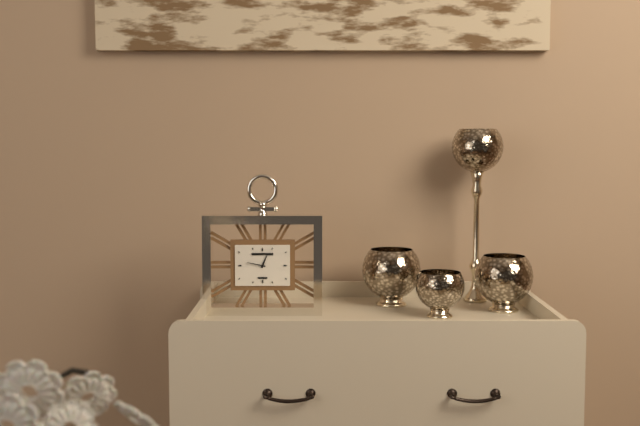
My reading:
12h47
